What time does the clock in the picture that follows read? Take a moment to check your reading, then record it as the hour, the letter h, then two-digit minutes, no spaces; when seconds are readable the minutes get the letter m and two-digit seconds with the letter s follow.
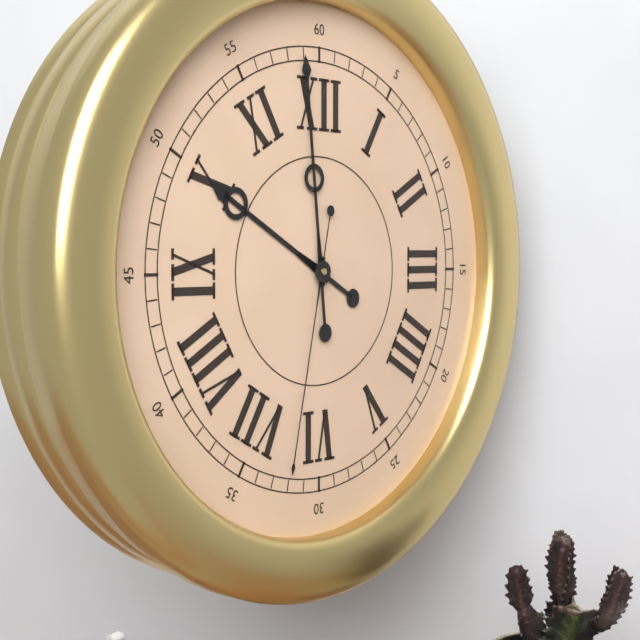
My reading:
9h59m32s
